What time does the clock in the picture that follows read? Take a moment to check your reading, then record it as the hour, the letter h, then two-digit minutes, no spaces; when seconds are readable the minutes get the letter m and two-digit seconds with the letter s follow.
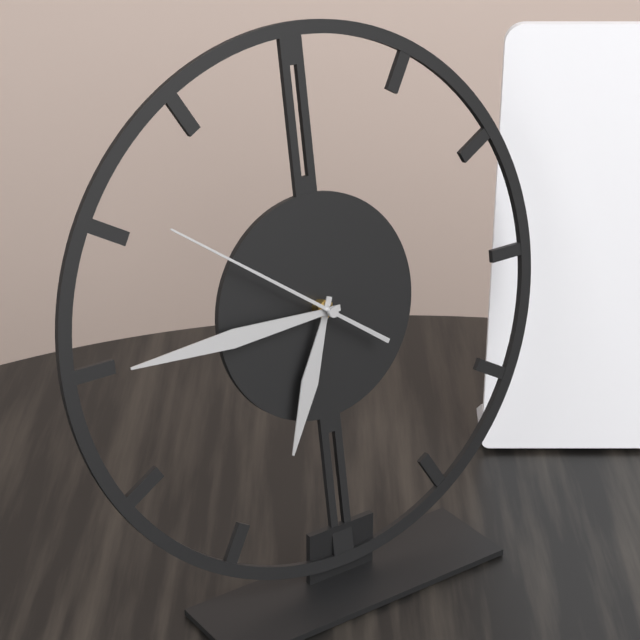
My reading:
6h45m51s
